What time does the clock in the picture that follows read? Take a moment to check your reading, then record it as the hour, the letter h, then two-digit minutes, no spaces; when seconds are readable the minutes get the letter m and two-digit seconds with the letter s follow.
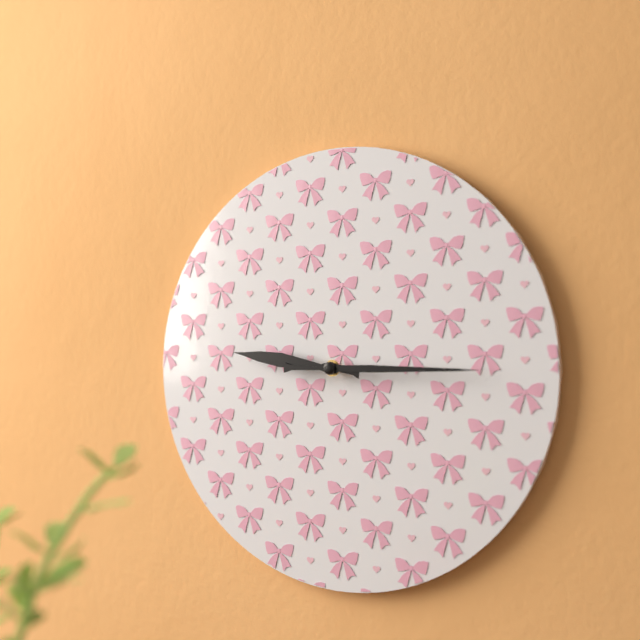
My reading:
9h15
